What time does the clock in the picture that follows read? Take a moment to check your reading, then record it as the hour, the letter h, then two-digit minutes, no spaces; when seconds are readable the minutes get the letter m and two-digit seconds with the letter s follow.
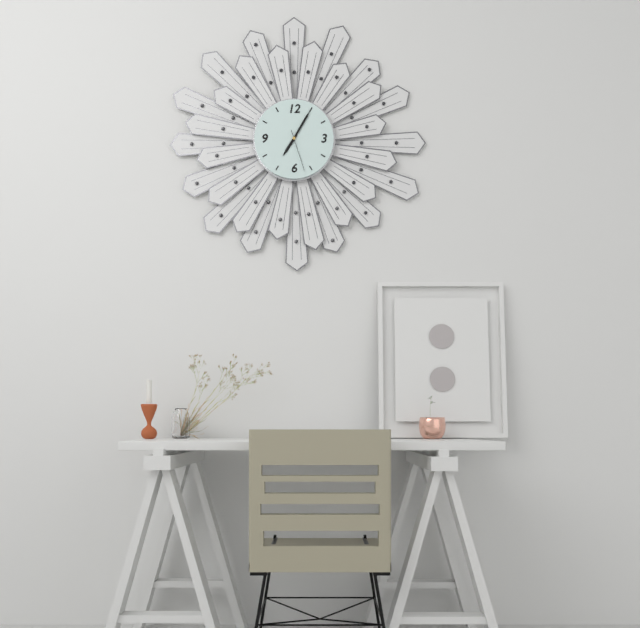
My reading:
7h05
